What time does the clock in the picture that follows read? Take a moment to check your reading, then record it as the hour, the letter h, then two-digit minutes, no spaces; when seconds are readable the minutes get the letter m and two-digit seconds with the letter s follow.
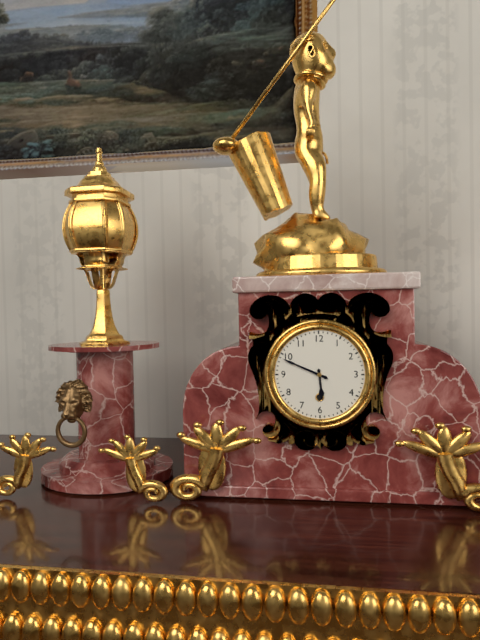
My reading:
5h49
